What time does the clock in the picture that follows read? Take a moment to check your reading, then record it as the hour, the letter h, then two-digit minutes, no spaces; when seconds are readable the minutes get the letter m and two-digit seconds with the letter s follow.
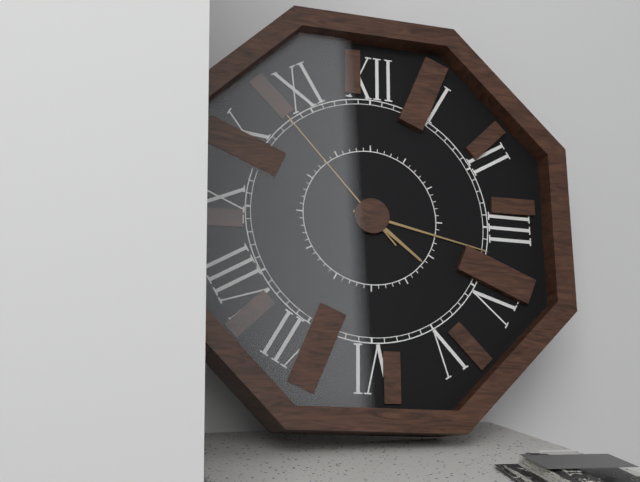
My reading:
4h17m53s
